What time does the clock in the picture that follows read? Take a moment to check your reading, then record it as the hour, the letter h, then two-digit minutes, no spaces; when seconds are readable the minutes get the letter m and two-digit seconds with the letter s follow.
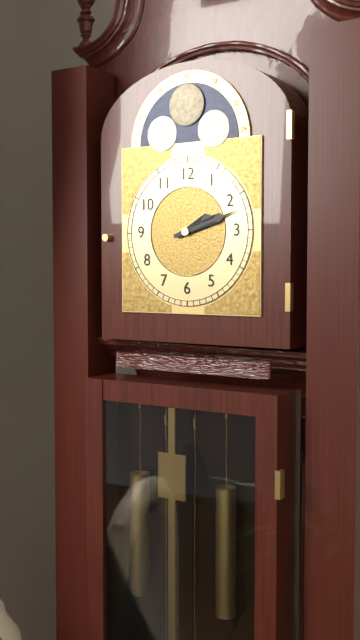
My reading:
2h12
